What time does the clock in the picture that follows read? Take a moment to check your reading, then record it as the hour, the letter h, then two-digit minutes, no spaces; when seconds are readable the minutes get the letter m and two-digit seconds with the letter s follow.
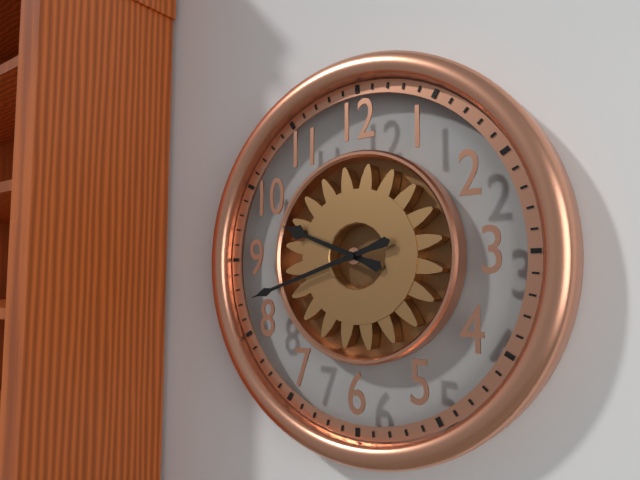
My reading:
9h42
